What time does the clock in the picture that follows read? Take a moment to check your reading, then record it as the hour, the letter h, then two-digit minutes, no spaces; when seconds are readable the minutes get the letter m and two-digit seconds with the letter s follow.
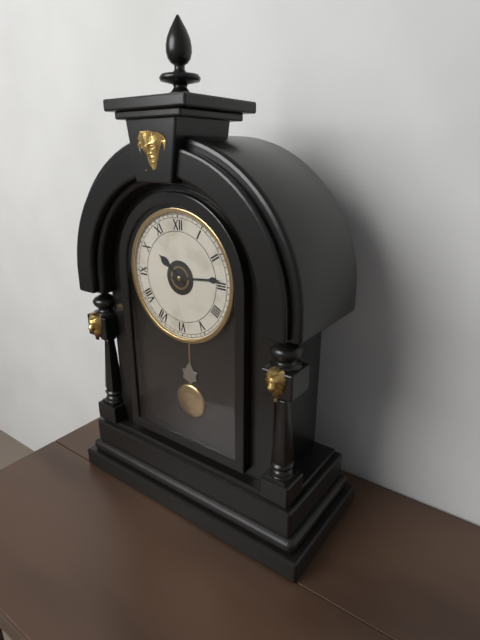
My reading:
10h14
